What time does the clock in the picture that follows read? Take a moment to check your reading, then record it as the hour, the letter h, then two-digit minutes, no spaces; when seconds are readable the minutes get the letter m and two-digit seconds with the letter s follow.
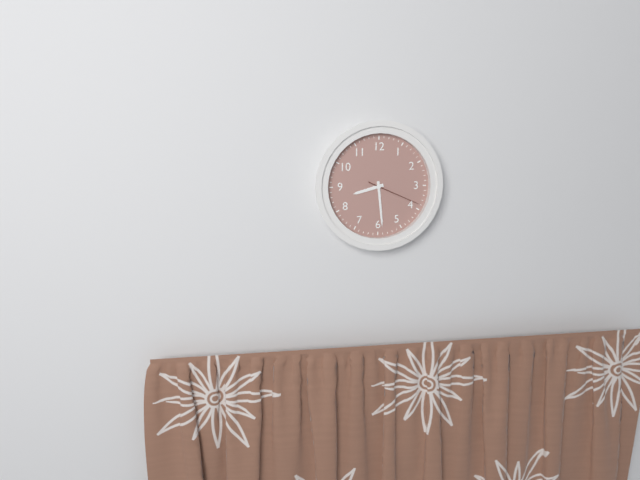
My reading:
8h29m19s
